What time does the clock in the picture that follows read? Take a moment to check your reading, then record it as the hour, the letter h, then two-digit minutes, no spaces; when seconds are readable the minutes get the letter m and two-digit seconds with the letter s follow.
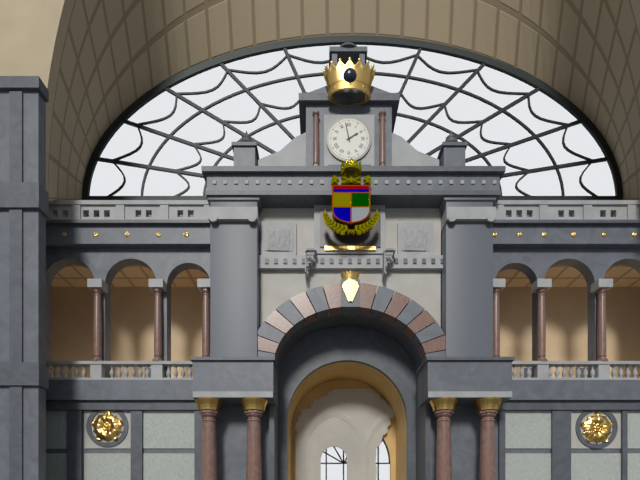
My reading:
1h58
